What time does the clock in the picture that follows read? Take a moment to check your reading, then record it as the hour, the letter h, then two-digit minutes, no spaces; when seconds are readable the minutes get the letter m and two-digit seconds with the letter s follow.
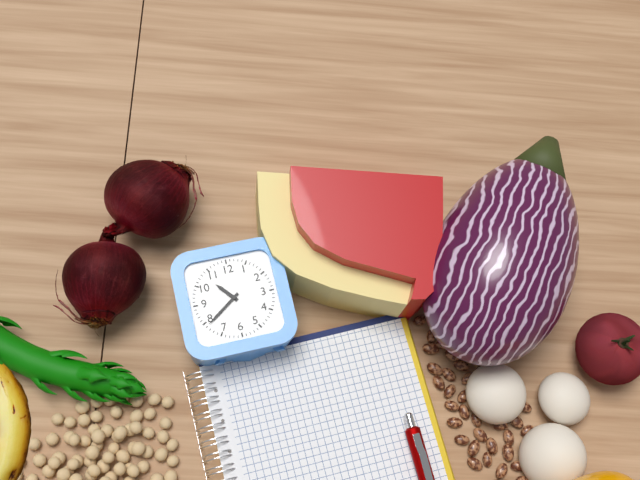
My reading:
10h39
